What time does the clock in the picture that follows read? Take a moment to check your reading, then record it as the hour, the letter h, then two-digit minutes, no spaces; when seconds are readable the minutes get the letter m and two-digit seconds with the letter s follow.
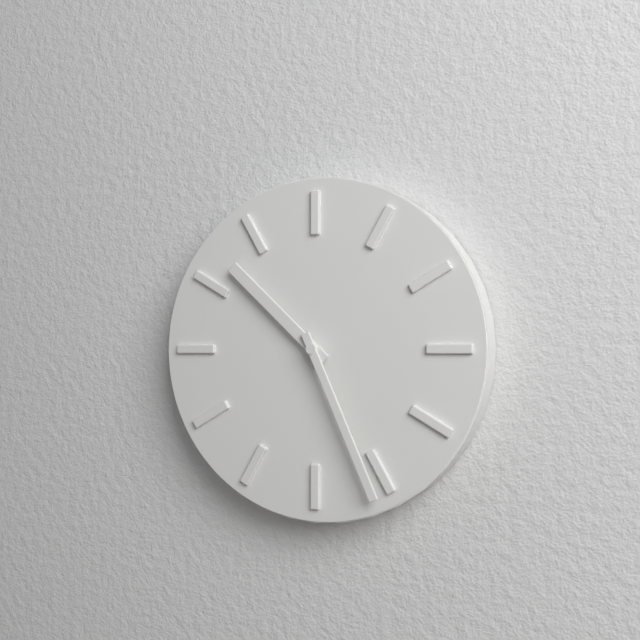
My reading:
10h26
